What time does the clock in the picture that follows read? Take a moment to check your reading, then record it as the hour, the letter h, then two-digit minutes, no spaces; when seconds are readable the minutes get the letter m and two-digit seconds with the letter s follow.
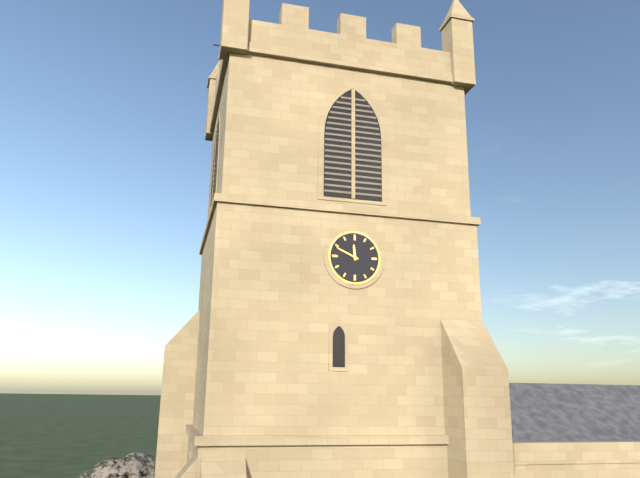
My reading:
11h49
